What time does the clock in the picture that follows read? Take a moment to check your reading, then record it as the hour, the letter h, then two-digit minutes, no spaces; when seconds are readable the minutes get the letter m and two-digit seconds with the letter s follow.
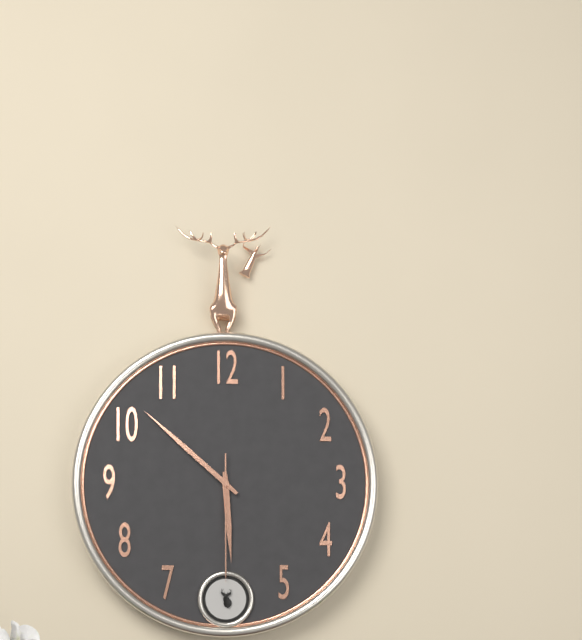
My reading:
5h52m30s
